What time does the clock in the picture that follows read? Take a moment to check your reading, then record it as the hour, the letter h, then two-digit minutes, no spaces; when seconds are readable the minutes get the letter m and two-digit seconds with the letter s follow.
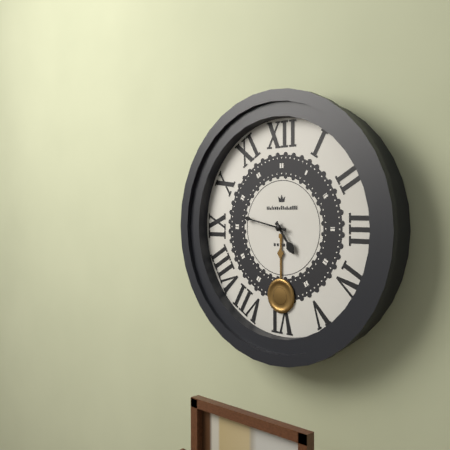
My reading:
4h47
